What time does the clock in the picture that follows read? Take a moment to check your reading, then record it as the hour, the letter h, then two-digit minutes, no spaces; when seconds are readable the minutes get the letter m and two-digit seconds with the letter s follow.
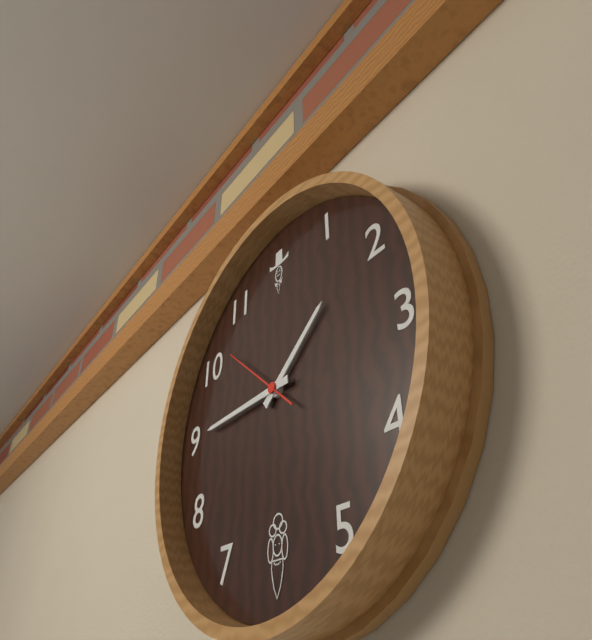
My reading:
1h45m52s
